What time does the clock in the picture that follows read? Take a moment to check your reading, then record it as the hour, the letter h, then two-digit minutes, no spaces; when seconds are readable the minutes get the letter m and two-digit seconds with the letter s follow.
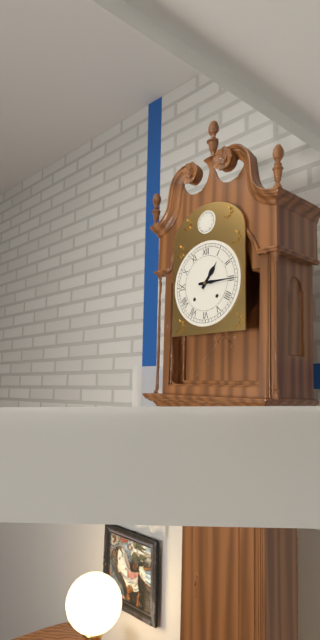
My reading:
1h15
